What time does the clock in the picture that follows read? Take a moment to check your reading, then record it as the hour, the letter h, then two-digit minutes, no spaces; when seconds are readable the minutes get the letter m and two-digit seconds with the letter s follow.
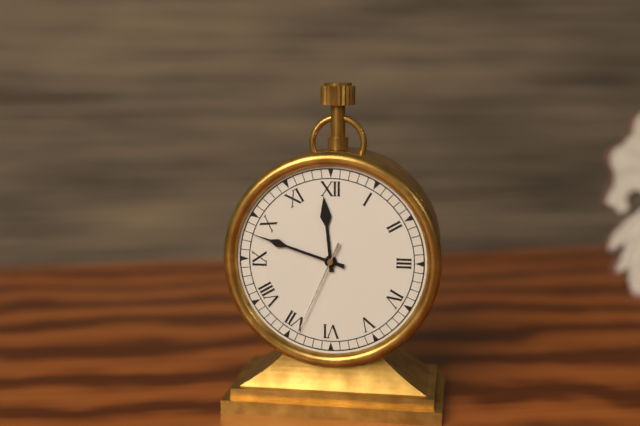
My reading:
11h48m34s
